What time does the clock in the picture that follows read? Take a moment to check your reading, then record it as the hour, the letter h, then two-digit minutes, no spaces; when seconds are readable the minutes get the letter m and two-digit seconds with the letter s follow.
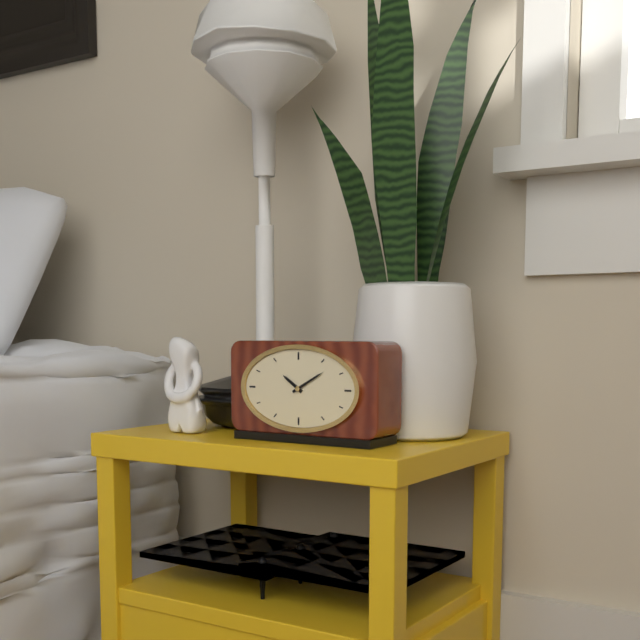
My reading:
10h10
